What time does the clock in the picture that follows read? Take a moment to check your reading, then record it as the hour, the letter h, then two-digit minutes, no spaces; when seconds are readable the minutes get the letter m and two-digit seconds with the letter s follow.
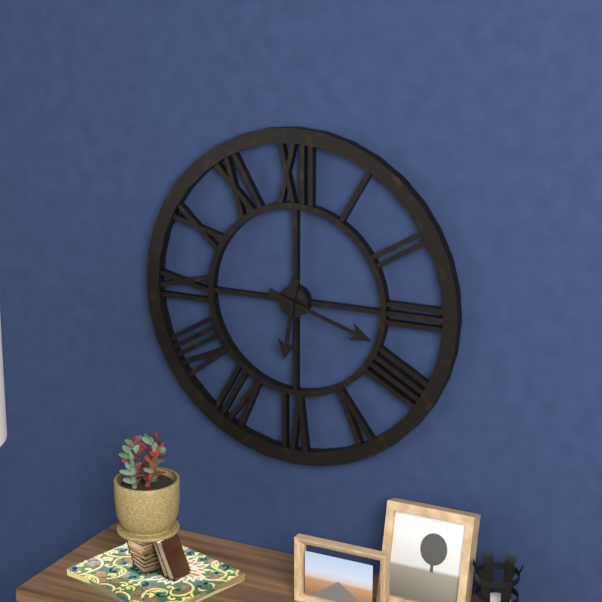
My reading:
6h18
